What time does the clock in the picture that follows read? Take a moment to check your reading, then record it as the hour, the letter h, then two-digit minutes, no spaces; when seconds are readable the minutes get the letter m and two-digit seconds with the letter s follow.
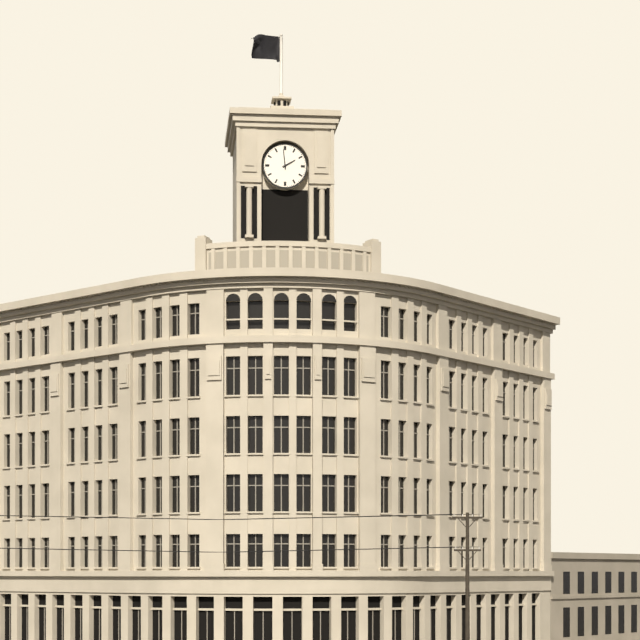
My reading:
1h59
